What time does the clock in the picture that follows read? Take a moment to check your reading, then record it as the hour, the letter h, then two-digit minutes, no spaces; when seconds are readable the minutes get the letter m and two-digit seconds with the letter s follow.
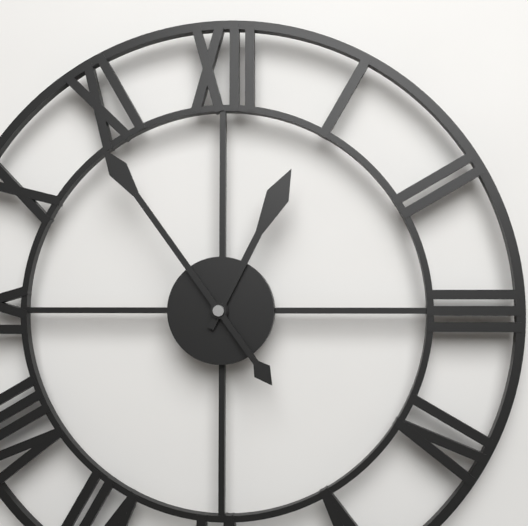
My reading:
12h54
